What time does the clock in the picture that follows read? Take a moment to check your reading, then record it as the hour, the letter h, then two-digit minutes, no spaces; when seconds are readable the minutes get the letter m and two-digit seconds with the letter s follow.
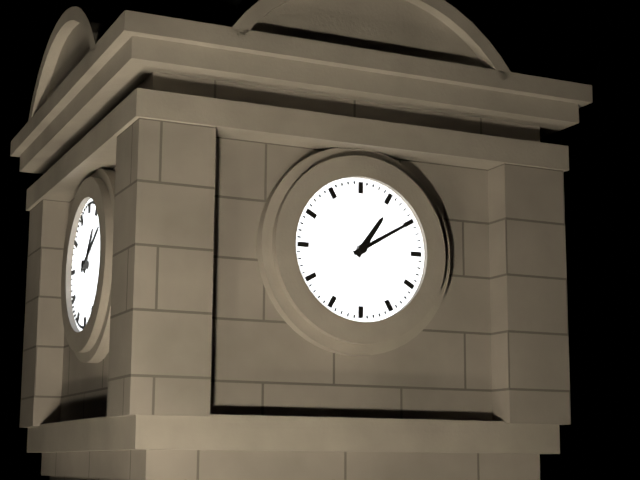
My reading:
1h10
